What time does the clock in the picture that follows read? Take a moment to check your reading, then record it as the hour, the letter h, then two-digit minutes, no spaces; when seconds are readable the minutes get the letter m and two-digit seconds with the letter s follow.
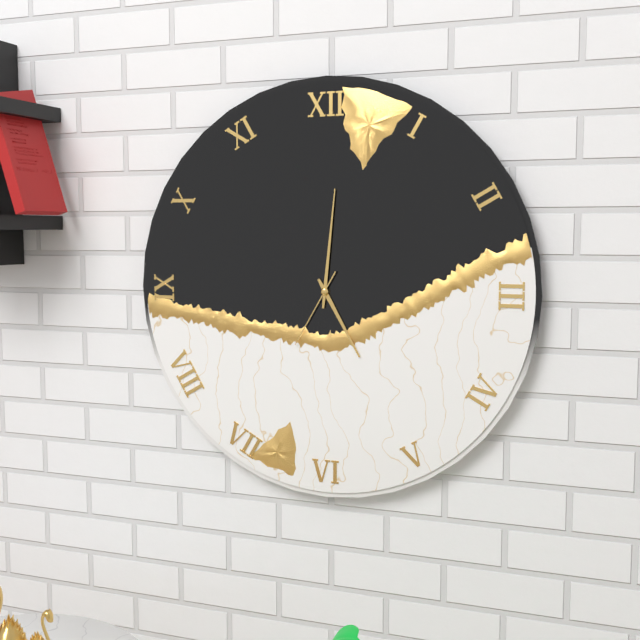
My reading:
5h01m35s
